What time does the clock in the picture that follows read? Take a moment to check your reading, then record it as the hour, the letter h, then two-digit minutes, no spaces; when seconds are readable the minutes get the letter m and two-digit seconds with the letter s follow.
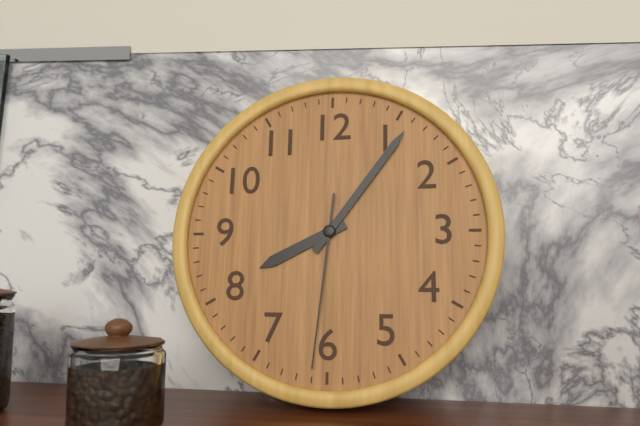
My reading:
8h06m31s
